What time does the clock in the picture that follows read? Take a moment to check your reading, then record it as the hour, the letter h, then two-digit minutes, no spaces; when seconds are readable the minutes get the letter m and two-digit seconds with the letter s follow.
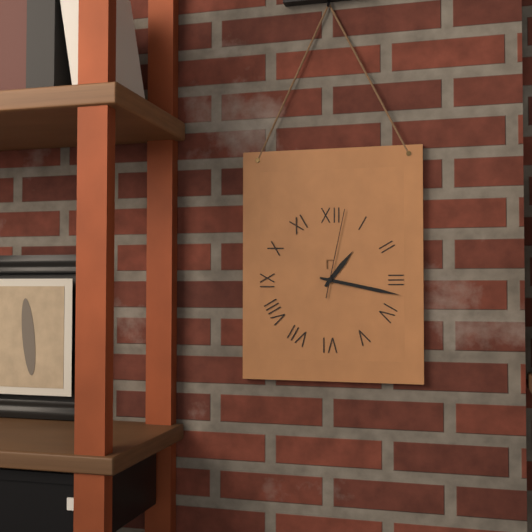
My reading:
1h17m02s
